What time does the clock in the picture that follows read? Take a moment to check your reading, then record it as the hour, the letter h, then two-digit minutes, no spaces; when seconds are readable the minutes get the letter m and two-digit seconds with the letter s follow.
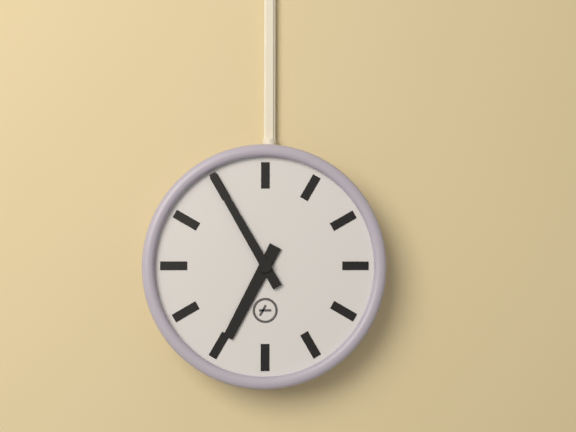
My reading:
6h55
